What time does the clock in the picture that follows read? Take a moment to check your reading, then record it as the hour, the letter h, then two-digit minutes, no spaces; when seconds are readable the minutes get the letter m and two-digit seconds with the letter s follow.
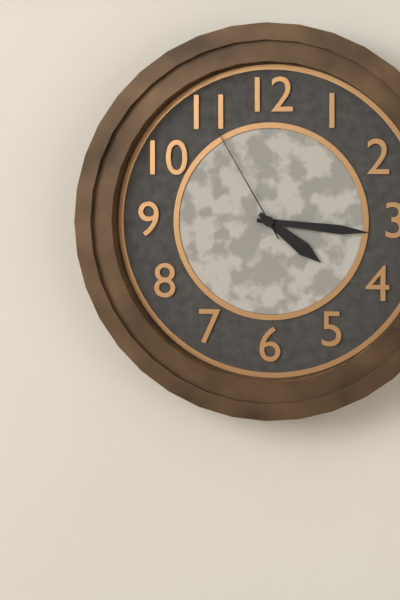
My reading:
4h16m55s
